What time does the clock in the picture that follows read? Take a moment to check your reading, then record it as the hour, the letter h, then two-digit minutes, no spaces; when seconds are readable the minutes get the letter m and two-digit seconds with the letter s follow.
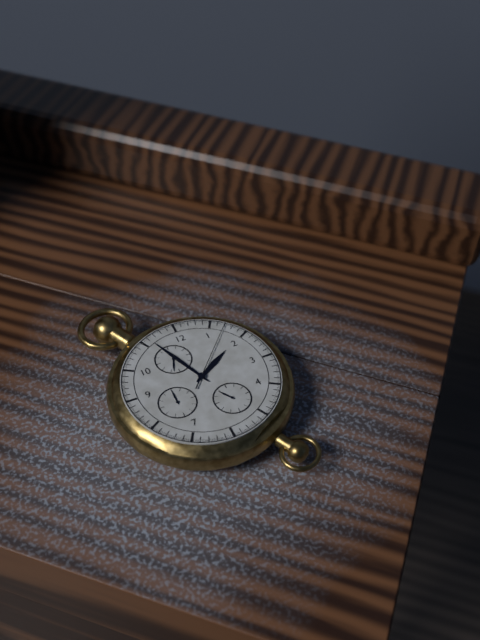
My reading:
1h56m07s
